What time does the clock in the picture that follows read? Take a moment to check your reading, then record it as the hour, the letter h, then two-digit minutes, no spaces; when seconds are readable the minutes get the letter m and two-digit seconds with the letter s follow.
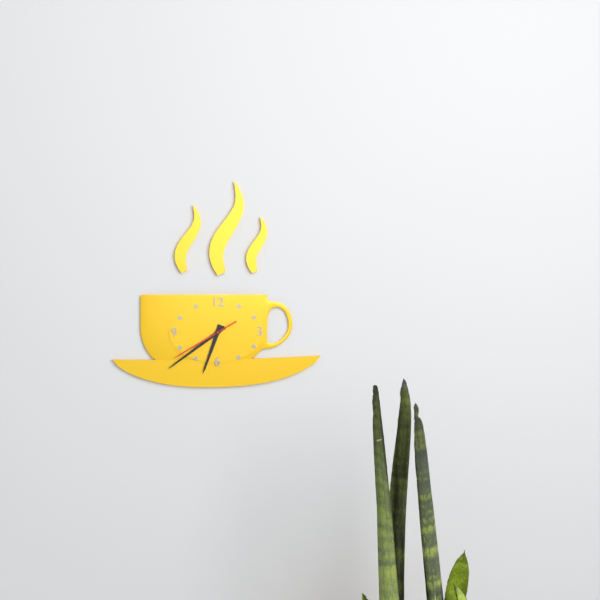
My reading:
6h39m40s
